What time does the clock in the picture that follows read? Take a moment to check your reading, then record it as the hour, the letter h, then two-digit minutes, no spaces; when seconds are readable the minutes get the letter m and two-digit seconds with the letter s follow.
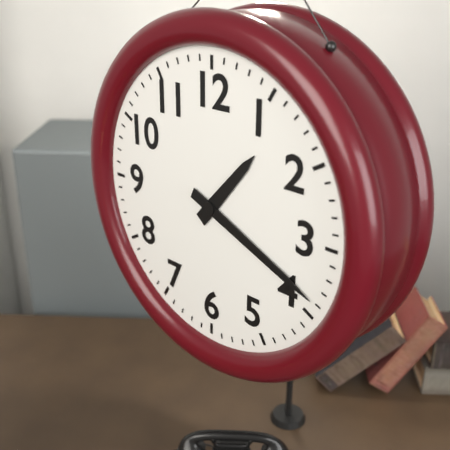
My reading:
1h19
